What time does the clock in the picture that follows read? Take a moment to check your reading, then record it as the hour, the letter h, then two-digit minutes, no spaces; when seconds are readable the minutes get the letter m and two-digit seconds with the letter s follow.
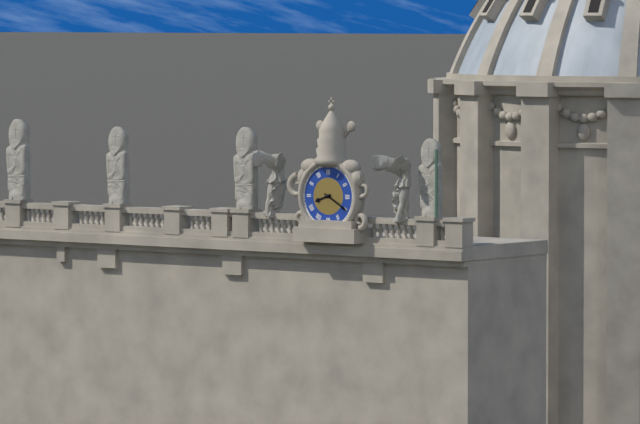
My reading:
8h20
